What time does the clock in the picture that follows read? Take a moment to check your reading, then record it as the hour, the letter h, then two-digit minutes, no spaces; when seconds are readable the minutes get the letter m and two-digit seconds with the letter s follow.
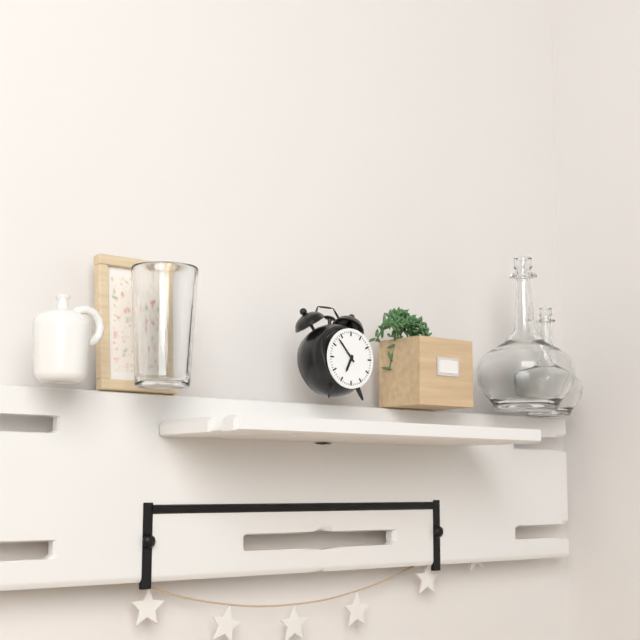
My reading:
6h53
